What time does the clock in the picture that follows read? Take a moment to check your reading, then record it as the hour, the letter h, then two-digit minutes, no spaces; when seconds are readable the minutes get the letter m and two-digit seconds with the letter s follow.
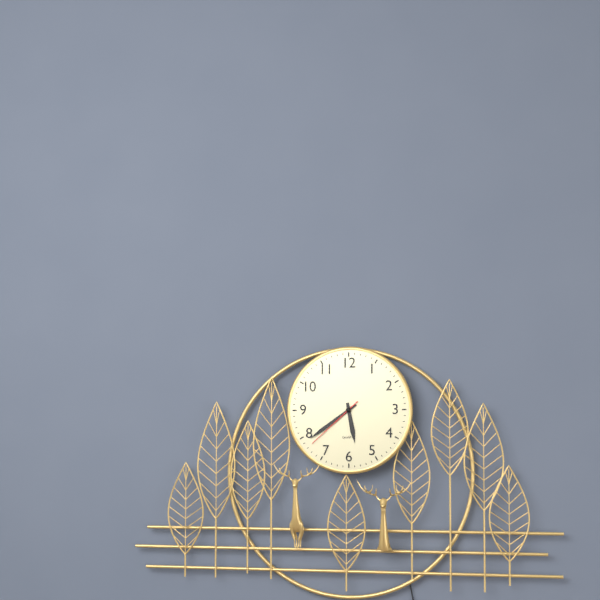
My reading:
5h39m38s
